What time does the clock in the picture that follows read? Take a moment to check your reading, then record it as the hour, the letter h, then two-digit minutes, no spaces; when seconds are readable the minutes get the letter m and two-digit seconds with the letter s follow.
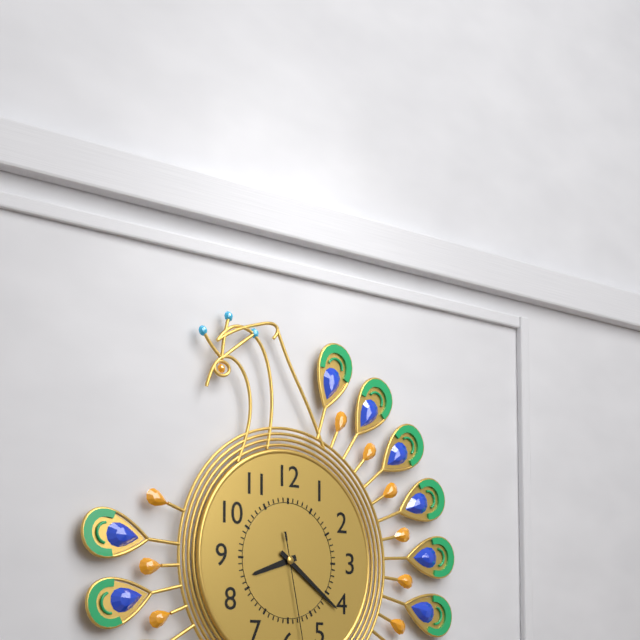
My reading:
8h21
